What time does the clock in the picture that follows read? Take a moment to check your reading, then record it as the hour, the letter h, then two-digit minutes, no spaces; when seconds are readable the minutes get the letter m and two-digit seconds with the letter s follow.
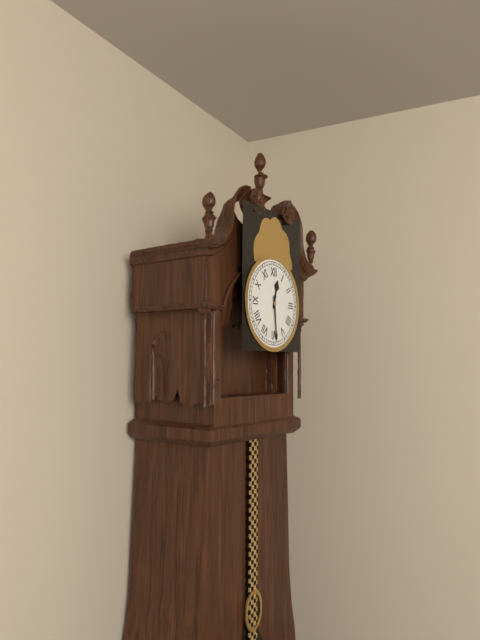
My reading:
12h29
